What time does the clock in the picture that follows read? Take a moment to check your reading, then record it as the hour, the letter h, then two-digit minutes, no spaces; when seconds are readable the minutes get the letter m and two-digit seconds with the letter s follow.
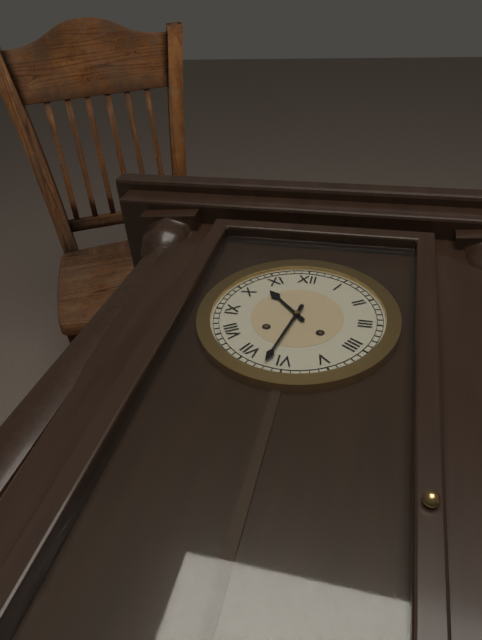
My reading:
10h32
